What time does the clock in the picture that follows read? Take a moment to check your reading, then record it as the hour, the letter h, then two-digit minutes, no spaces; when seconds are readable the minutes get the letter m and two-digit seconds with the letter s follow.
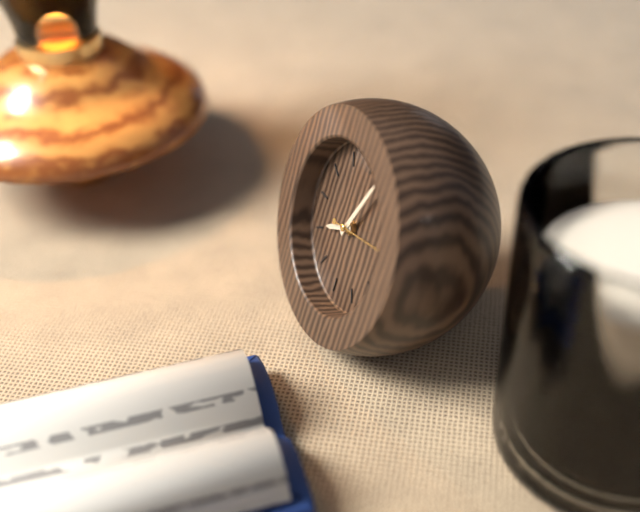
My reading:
8h04
